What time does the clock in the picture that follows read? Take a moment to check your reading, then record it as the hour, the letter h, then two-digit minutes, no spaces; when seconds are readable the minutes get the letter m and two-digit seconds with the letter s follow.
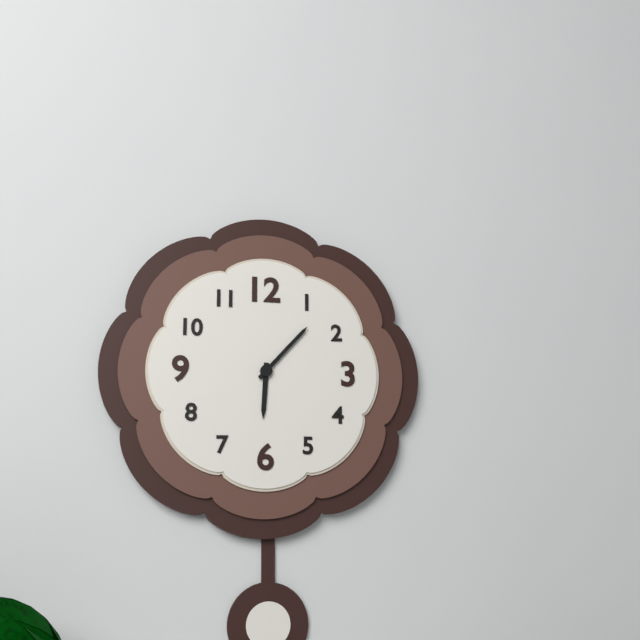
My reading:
6h07
